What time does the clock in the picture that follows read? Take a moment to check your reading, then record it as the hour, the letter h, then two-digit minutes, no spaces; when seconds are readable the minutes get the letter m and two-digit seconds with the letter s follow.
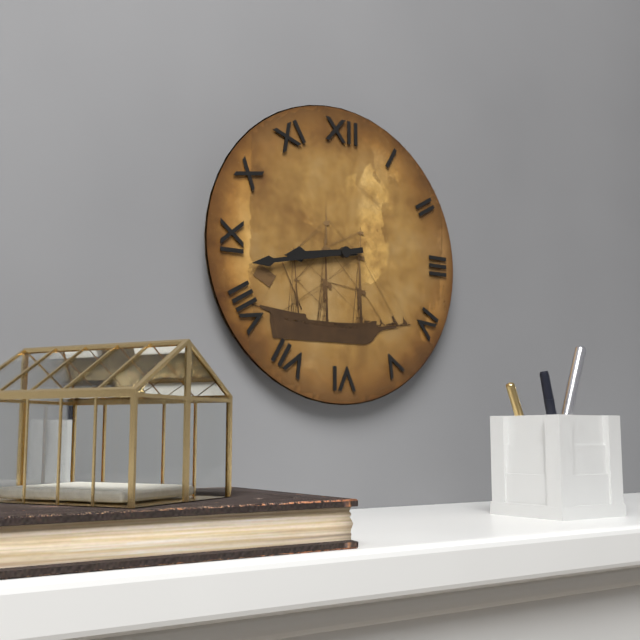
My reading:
8h43
